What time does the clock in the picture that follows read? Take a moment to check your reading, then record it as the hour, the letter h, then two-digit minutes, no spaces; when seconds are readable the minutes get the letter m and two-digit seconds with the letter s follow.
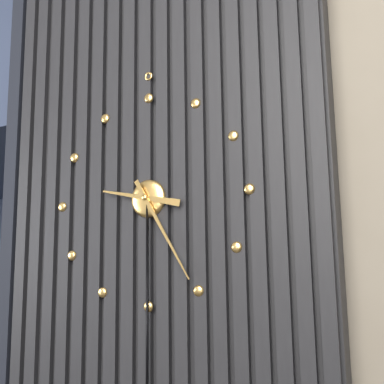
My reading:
9h25
